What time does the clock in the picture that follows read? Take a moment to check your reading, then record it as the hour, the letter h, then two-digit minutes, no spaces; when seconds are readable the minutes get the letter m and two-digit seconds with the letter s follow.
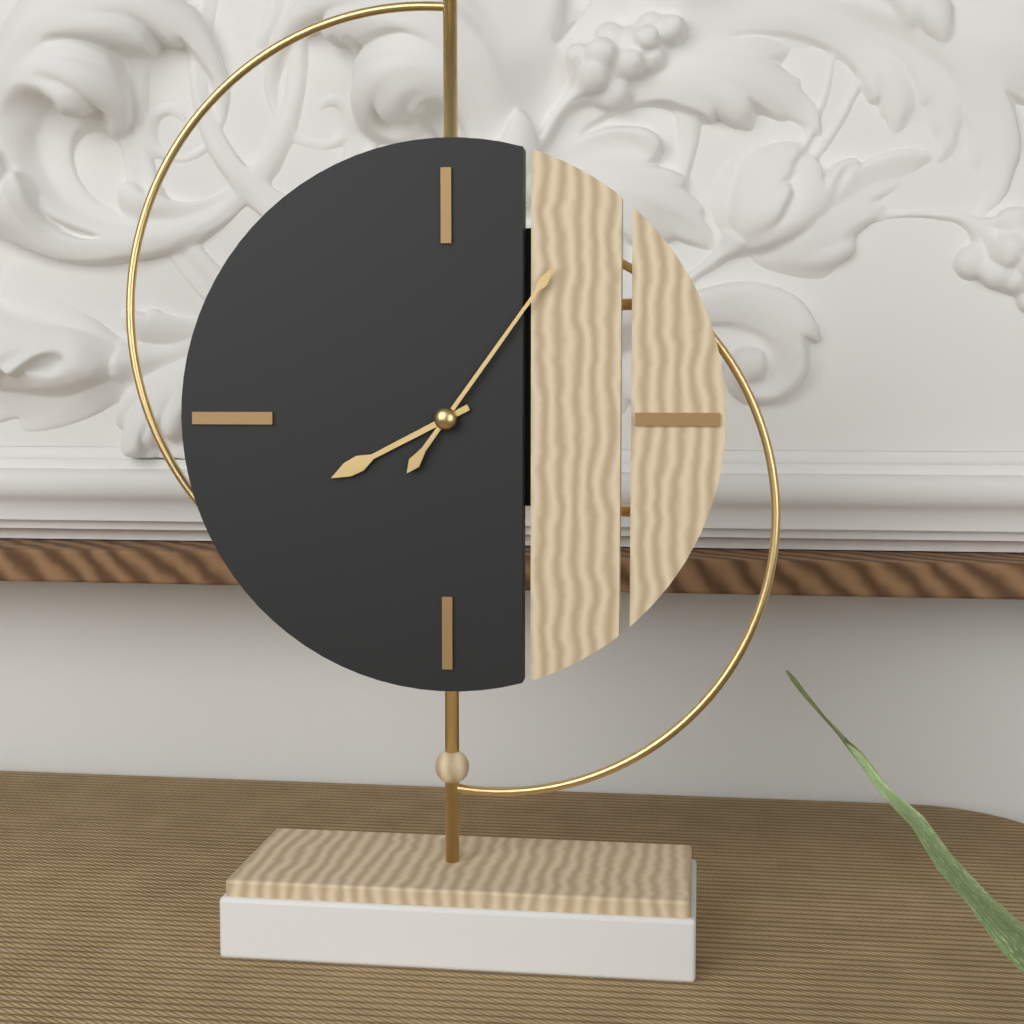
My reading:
8h06
